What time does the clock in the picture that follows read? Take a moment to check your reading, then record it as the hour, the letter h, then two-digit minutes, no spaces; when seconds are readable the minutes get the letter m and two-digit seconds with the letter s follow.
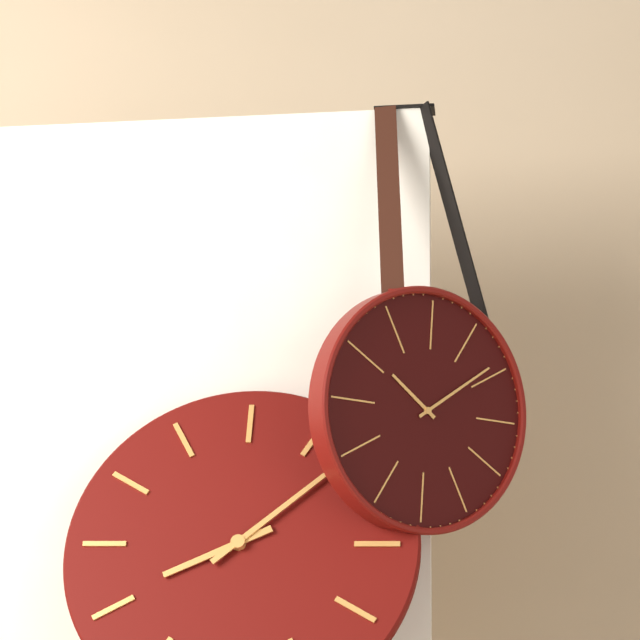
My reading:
8h08
